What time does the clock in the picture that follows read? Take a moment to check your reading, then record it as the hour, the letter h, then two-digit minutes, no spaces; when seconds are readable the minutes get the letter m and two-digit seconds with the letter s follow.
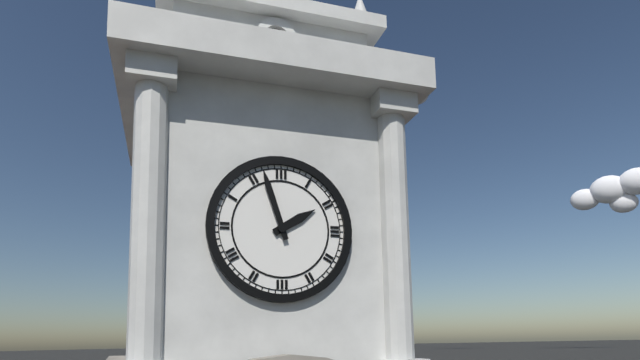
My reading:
1h57
